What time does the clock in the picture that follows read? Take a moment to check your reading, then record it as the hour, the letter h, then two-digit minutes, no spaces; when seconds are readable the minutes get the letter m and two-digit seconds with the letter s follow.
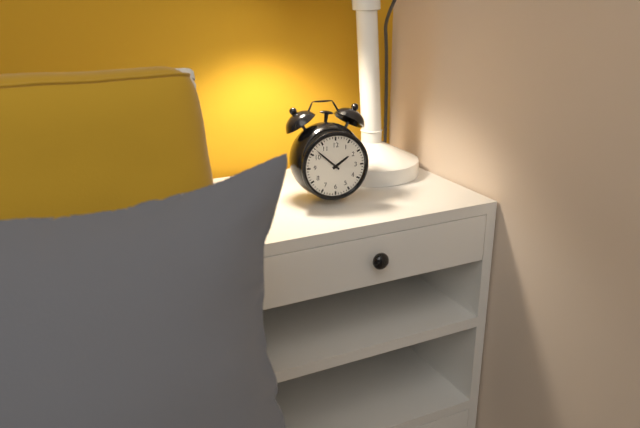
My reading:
1h52
